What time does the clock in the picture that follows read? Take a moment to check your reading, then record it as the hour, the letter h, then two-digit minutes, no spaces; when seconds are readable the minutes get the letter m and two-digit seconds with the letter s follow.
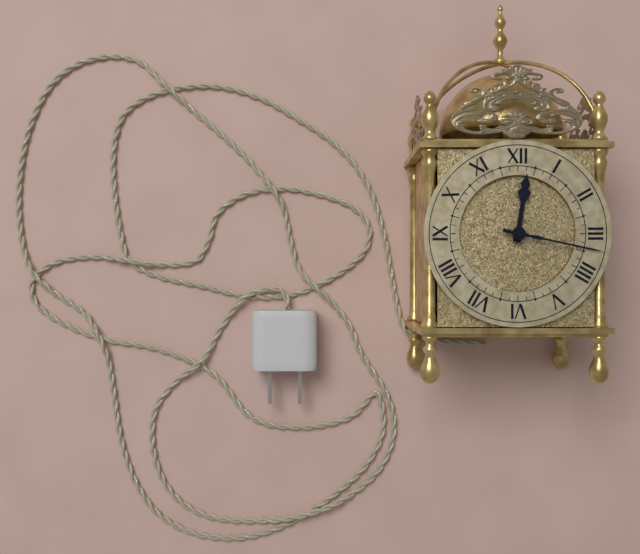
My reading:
12h17
